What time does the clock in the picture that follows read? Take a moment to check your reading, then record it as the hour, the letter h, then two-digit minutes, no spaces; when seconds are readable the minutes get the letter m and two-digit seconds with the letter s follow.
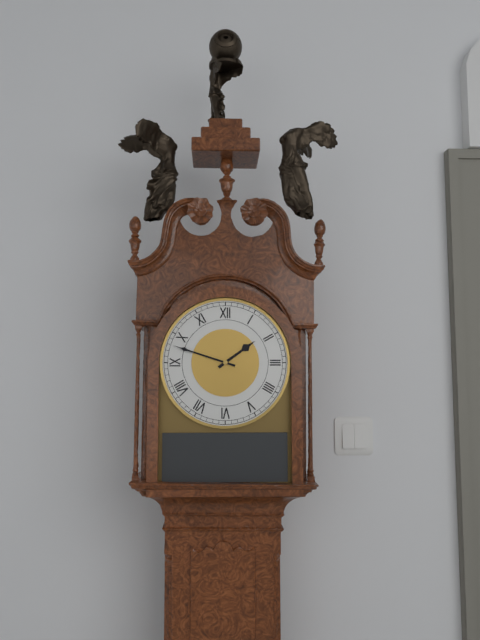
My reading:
1h48
